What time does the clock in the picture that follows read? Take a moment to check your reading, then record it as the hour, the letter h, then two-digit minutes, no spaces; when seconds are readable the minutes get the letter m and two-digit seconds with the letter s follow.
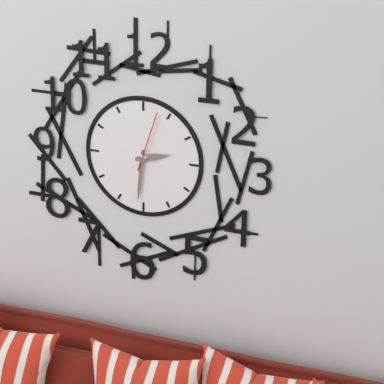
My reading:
2h31m03s
